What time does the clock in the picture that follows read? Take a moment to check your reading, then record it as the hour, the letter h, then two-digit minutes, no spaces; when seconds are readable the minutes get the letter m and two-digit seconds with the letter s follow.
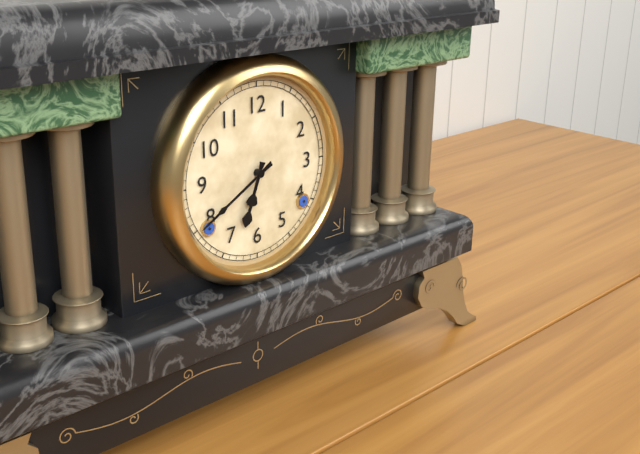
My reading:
6h40
